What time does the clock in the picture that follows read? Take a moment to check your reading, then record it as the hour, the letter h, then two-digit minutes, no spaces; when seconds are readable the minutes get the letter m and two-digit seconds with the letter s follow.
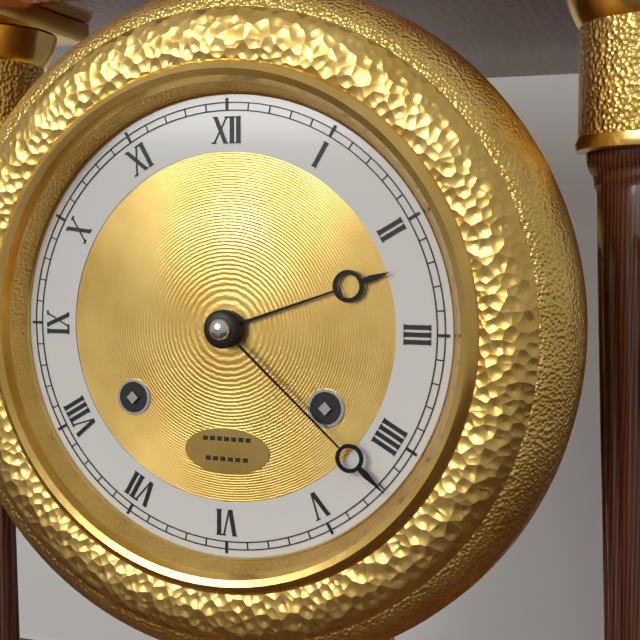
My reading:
2h22
